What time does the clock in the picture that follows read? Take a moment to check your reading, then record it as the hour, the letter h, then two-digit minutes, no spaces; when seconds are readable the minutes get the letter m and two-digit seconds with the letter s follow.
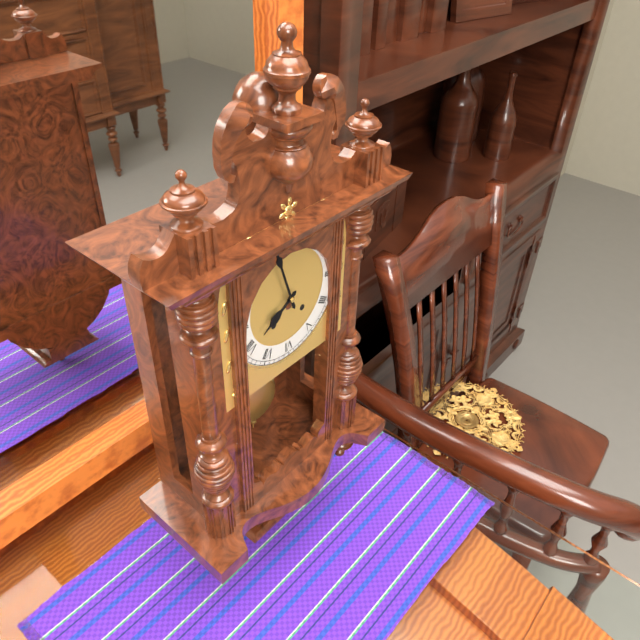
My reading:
7h57
